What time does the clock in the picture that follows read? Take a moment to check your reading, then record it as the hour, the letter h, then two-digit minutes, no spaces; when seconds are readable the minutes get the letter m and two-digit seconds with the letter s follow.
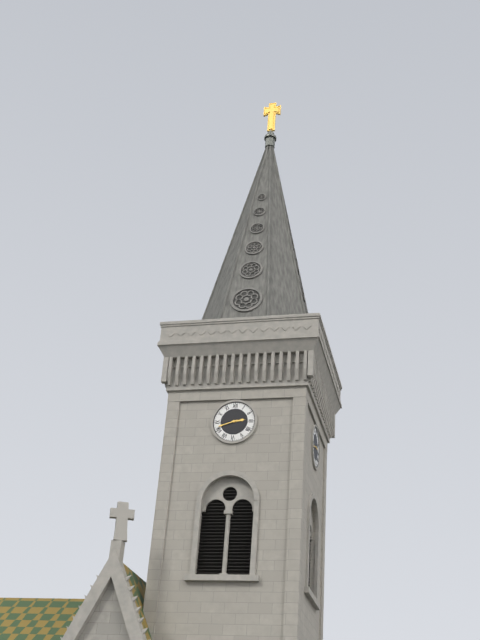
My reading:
2h42
